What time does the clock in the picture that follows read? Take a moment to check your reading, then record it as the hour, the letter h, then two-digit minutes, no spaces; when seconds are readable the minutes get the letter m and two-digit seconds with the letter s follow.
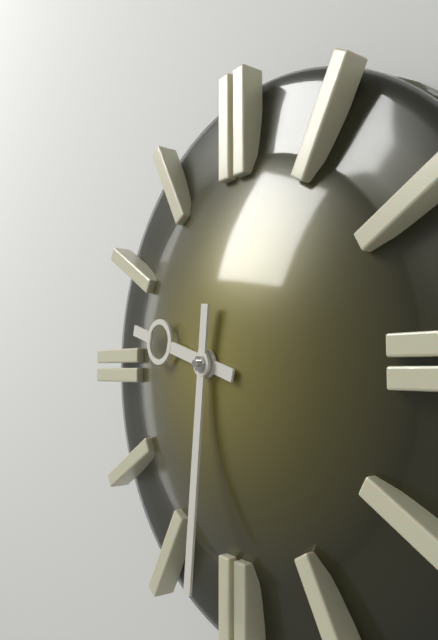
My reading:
9h31
